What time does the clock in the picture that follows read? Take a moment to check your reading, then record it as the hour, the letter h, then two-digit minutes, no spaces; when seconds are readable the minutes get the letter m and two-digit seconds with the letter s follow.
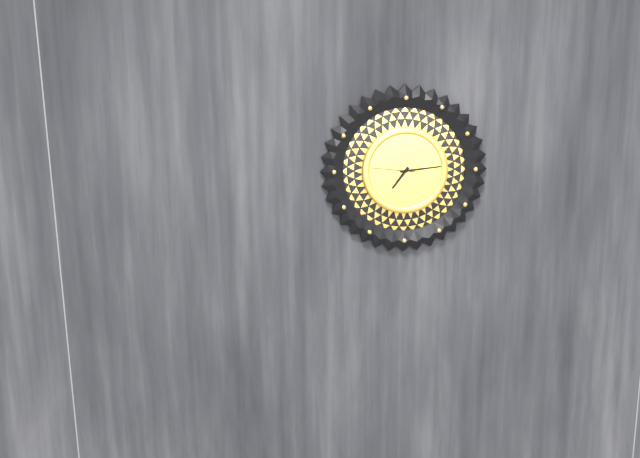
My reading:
7h14
